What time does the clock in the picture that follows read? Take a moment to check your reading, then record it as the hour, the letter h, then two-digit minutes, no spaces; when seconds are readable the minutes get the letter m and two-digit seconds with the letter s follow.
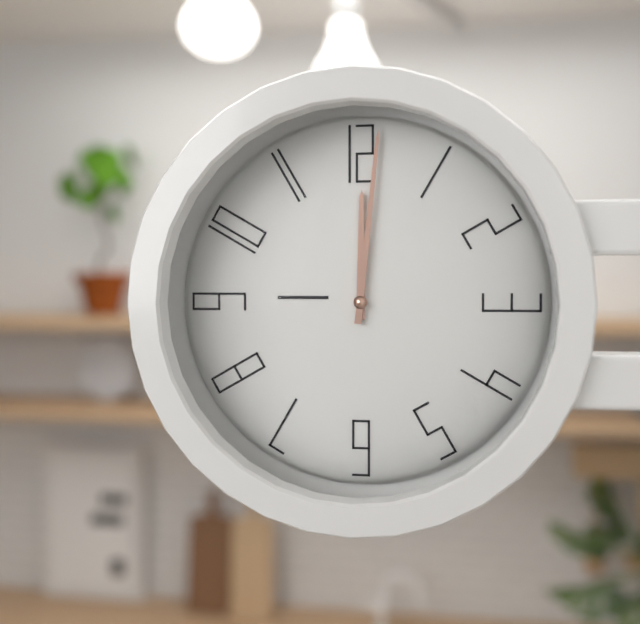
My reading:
12h01
